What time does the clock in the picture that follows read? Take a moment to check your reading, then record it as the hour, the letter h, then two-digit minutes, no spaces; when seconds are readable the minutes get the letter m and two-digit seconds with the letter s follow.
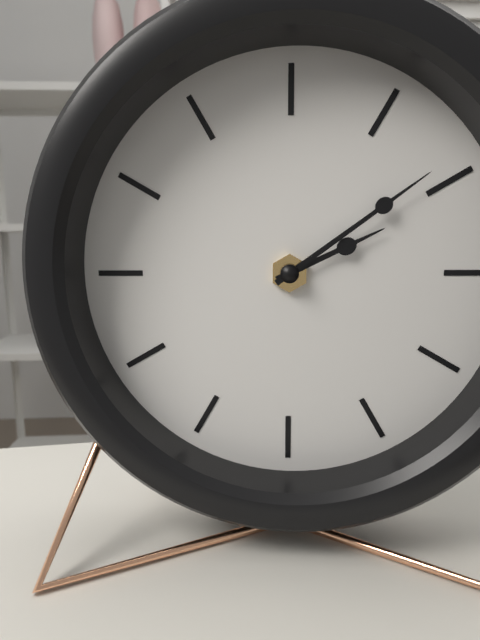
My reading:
2h09
